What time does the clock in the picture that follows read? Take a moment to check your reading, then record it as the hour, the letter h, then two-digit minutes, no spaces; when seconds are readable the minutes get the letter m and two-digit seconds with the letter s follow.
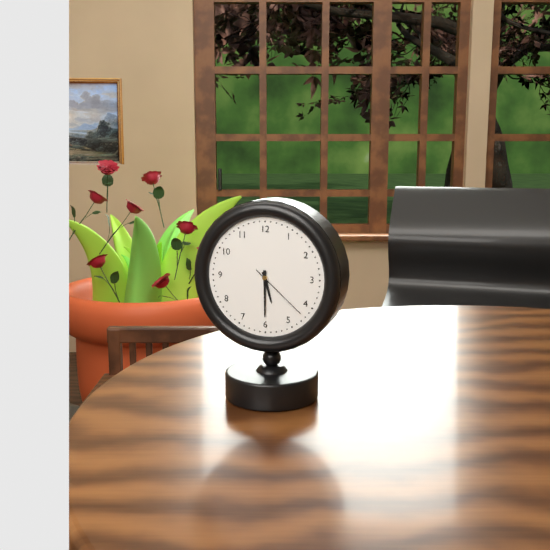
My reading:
5h30m22s
